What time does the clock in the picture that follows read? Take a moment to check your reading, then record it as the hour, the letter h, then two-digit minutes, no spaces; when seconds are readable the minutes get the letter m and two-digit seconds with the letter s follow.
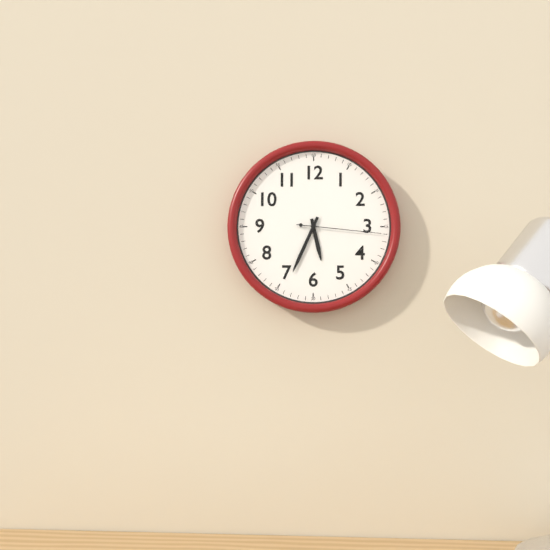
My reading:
5h34m16s
